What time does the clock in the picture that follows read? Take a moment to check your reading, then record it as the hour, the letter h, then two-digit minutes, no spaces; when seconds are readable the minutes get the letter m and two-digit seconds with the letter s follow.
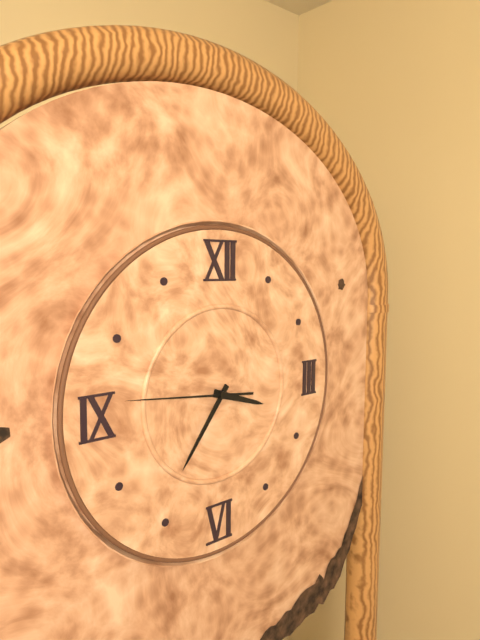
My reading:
3h36m46s
